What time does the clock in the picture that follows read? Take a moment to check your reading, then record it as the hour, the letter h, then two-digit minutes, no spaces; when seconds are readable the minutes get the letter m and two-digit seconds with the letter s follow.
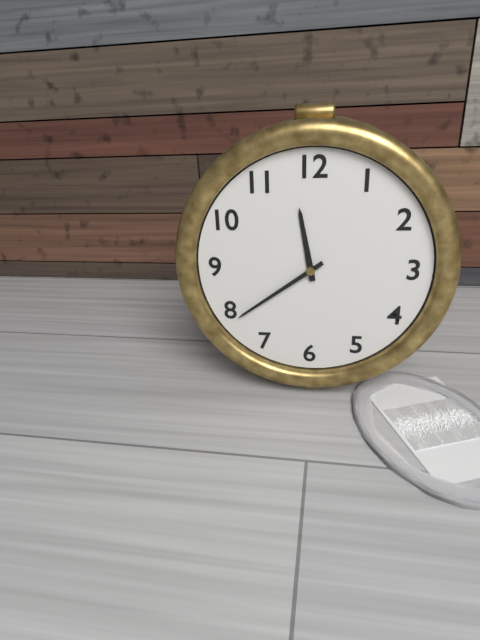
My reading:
11h39
